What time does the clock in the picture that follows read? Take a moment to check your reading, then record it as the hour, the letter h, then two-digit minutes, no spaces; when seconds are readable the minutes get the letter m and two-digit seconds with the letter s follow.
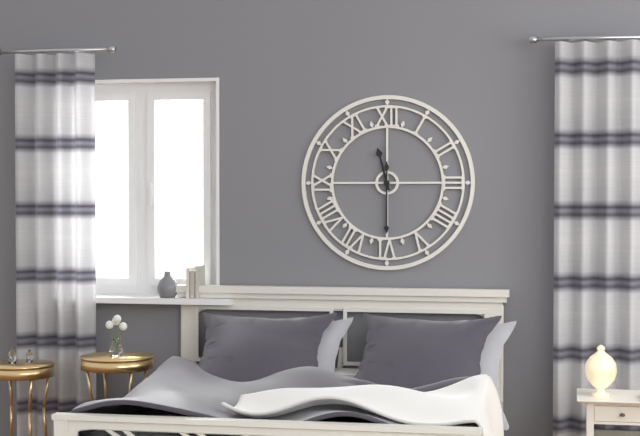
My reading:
11h30
